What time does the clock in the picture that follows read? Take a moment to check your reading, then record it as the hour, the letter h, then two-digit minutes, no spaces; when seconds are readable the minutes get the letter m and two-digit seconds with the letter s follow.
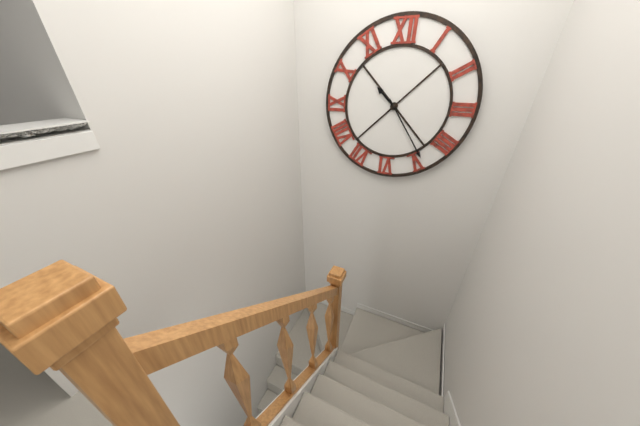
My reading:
10h24
